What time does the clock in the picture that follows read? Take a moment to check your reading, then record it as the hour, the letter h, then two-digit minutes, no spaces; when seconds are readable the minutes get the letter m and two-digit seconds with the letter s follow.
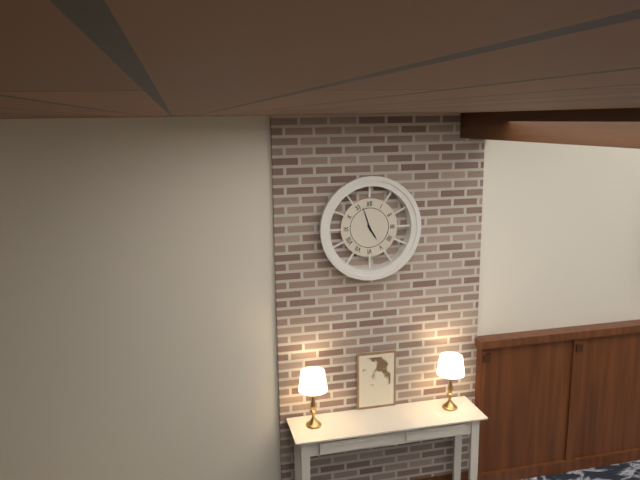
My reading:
4h57
